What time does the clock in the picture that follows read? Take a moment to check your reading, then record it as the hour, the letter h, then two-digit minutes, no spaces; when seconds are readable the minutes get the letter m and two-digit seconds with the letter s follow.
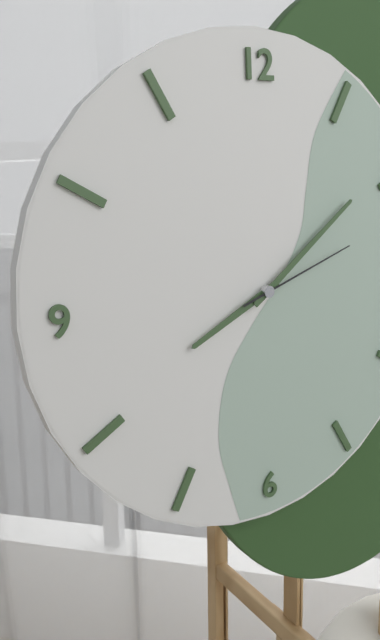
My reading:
8h09m12s
